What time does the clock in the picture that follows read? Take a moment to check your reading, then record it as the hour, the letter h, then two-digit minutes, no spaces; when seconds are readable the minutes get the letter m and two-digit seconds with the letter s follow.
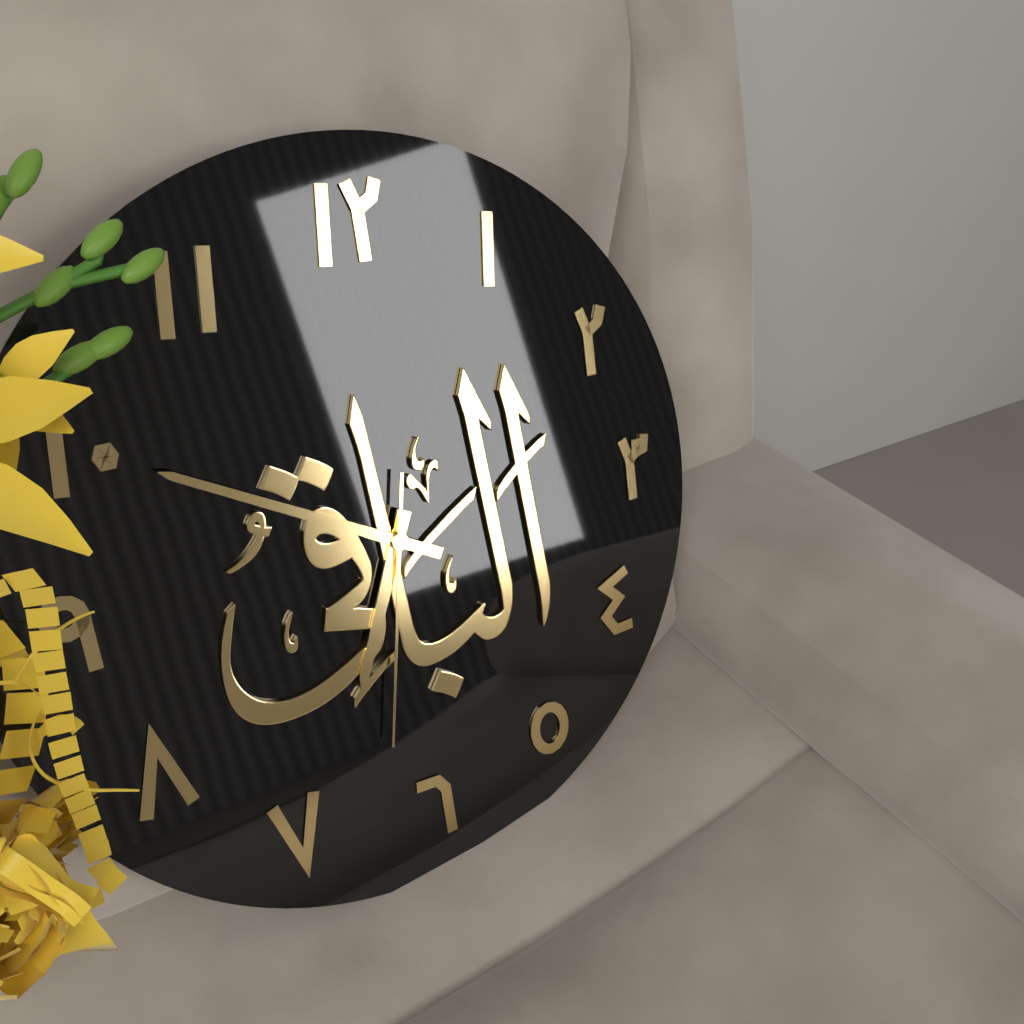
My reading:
6h50m32s
